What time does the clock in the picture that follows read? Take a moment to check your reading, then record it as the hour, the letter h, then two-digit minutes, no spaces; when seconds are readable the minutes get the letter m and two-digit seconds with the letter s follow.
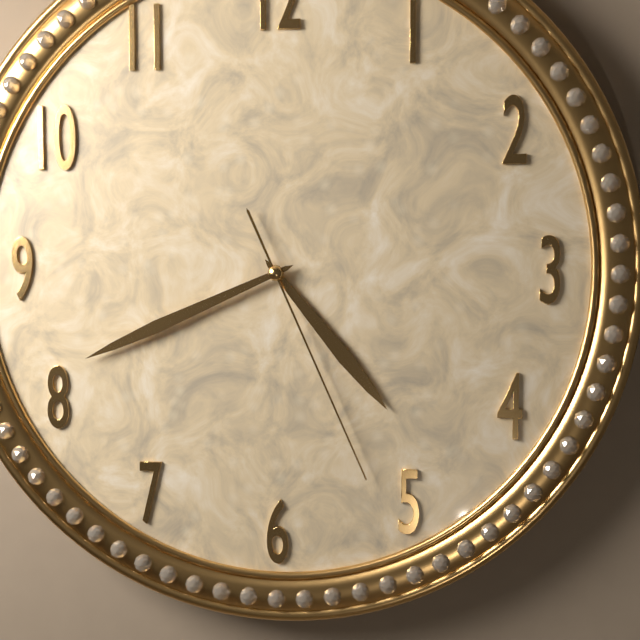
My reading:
4h41m26s
